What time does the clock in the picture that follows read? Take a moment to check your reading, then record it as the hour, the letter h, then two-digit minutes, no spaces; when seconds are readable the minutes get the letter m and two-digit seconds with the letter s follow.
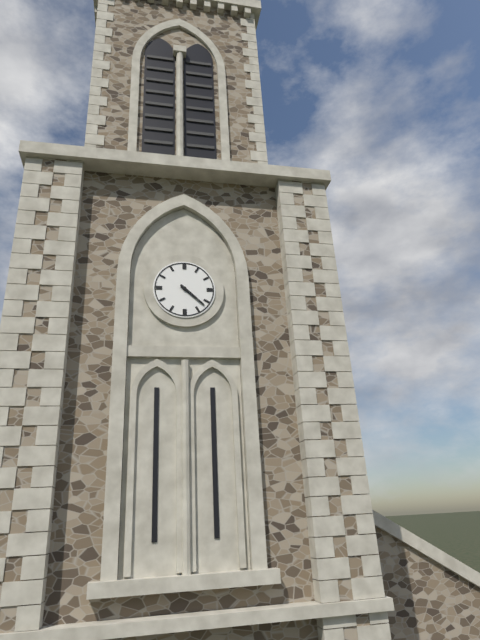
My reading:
4h22
